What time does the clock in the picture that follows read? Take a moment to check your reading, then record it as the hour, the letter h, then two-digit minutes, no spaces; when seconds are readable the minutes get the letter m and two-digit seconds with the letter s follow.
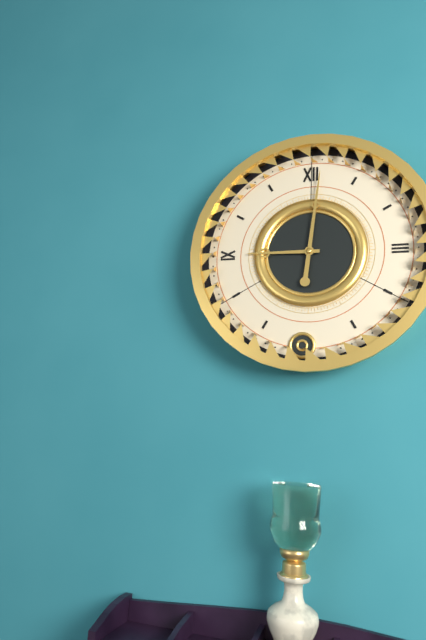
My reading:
9h01
